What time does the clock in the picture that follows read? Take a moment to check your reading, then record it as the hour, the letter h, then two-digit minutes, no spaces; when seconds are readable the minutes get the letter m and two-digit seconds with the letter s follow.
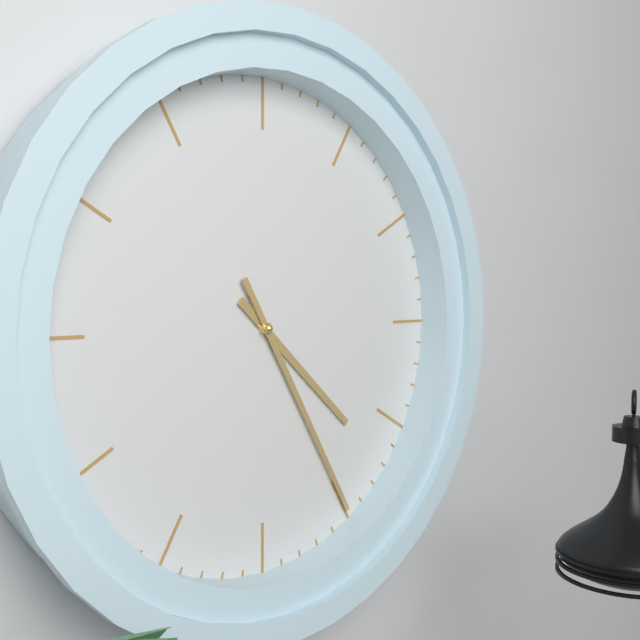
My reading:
4h25
